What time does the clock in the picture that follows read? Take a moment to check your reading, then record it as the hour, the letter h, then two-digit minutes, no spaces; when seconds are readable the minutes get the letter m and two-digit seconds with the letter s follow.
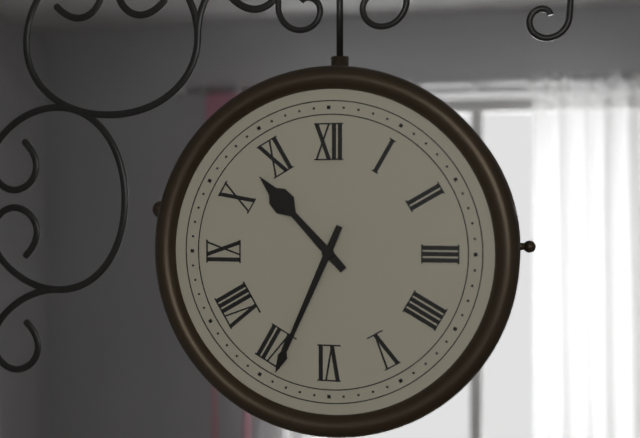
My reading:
10h34
